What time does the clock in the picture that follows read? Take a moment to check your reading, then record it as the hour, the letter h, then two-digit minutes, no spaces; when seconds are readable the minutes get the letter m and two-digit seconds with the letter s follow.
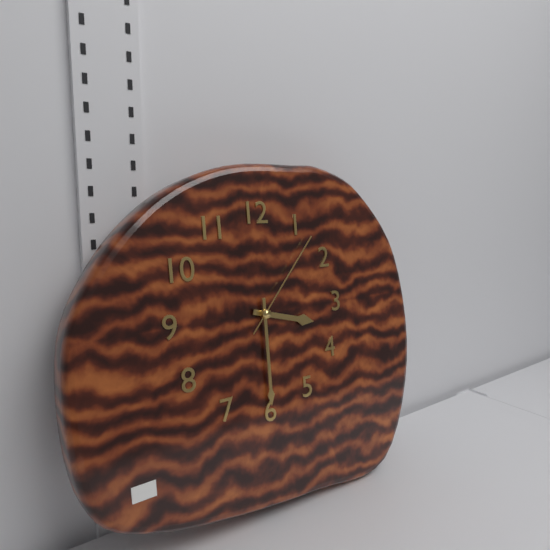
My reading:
3h30m07s
